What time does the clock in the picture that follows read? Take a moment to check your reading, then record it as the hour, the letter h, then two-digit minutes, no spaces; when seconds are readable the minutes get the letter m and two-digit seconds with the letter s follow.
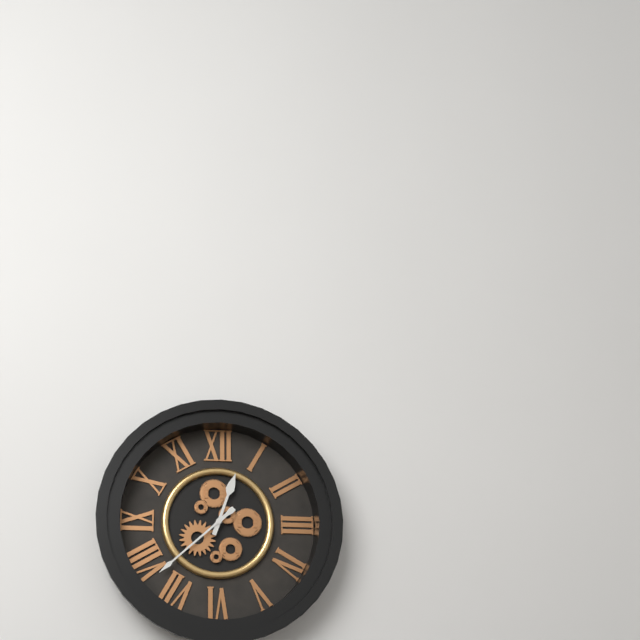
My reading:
12h38
